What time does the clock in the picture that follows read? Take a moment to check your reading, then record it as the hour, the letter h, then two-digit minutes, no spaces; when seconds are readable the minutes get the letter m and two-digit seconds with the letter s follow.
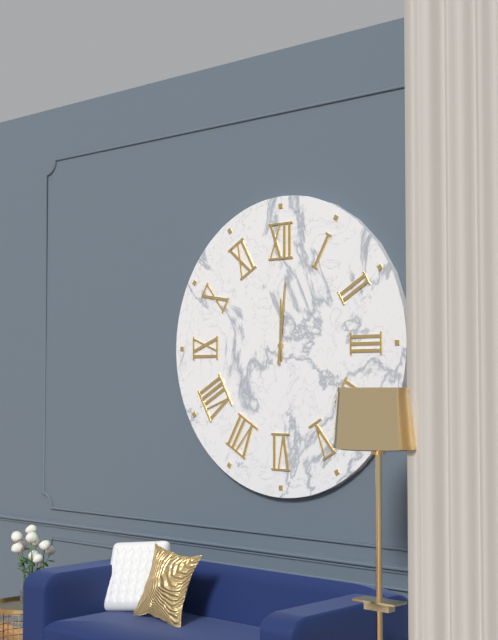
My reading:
12h01
